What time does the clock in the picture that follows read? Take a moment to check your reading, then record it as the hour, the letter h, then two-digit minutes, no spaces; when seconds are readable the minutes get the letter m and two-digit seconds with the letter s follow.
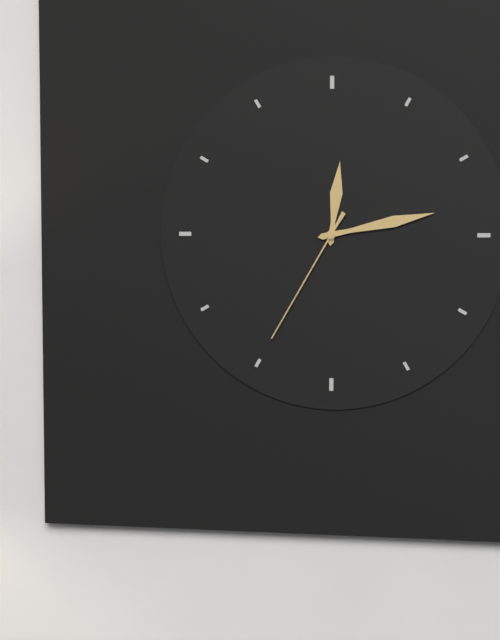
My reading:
12h13m35s
